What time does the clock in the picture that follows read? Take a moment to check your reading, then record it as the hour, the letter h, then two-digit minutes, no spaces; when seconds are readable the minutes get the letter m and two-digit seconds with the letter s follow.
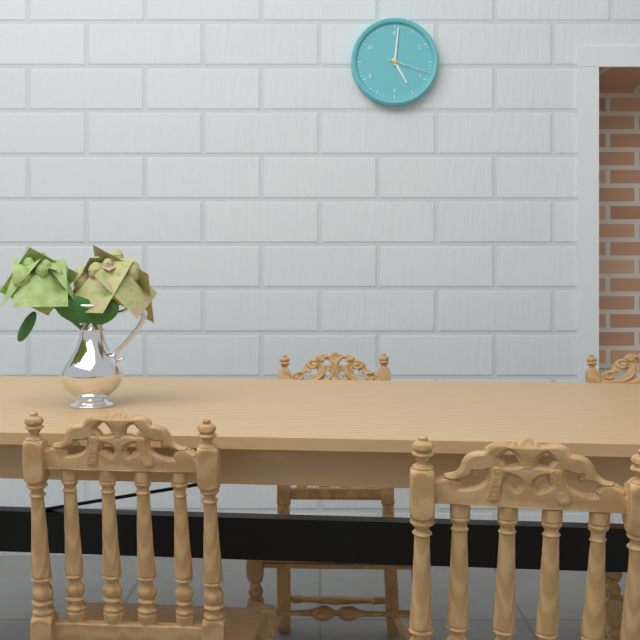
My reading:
5h01
